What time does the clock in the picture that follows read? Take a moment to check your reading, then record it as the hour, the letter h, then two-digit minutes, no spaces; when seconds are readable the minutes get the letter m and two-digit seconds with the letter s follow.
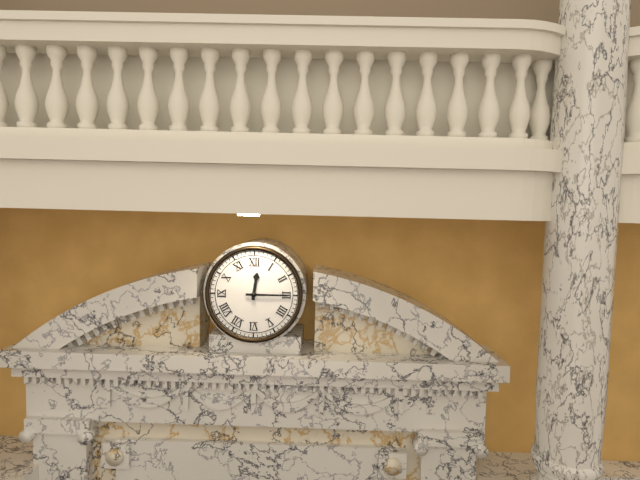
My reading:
12h15
